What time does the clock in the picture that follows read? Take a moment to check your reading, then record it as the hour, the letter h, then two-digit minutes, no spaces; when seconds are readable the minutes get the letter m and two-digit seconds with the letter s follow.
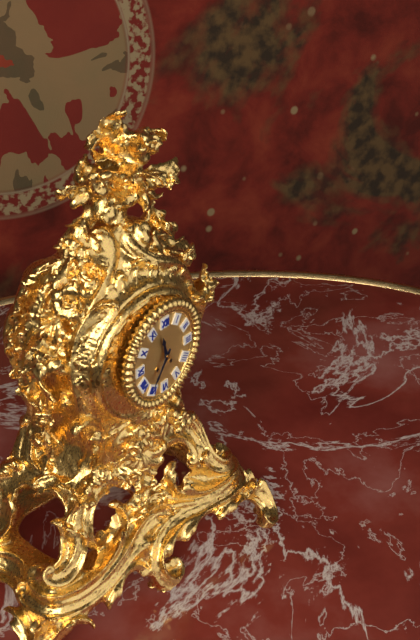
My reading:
11h36
